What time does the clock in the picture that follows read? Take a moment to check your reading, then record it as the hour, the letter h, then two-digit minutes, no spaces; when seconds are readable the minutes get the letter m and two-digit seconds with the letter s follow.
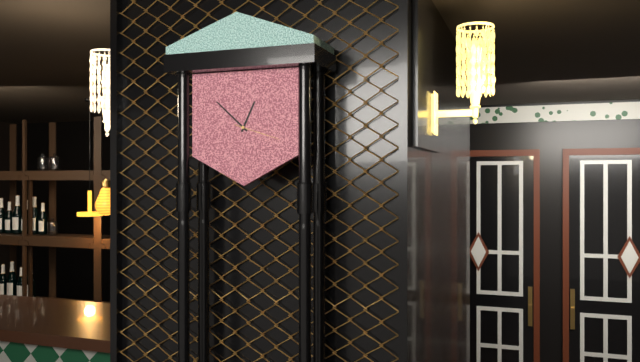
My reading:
12h52
